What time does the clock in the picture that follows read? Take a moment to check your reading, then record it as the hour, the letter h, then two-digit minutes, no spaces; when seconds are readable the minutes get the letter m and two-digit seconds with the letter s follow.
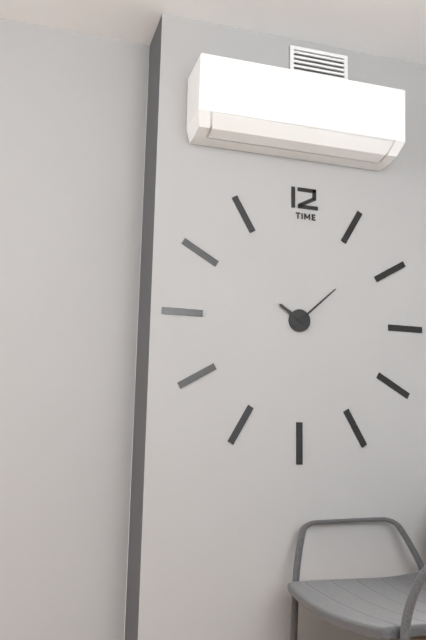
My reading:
10h08
